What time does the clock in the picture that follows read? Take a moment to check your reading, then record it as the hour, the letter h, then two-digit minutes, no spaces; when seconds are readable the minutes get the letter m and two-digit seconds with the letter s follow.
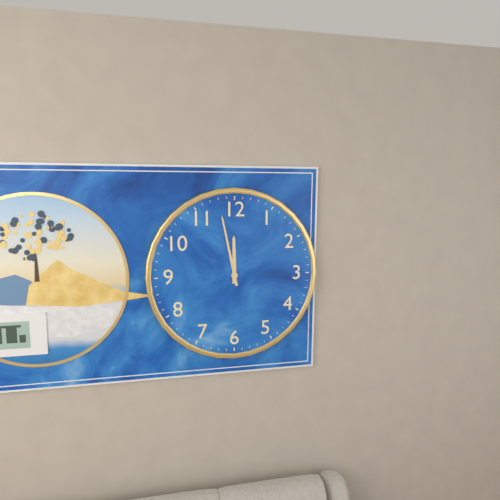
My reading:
11h58
